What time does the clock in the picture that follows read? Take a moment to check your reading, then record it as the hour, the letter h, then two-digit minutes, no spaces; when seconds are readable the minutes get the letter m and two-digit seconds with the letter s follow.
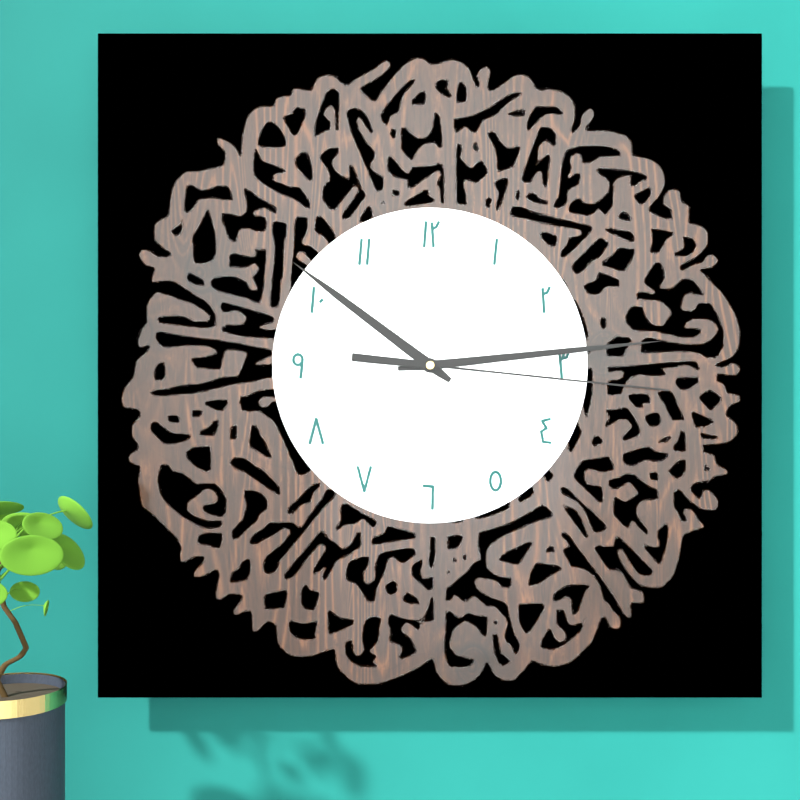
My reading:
10h14m16s
